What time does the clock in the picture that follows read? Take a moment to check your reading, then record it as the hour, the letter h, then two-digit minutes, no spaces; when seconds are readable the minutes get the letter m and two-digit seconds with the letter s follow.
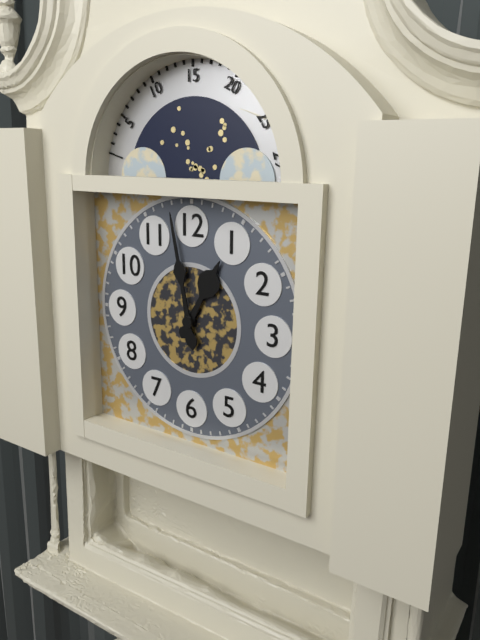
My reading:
12h58
